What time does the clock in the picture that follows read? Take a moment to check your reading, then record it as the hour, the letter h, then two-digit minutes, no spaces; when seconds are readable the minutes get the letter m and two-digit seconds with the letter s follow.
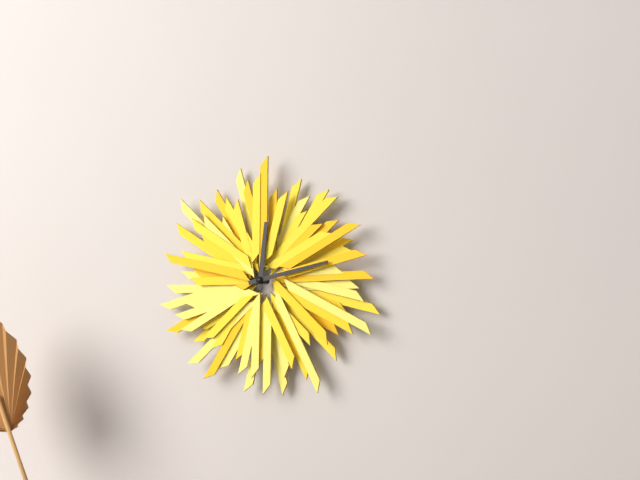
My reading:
12h13
